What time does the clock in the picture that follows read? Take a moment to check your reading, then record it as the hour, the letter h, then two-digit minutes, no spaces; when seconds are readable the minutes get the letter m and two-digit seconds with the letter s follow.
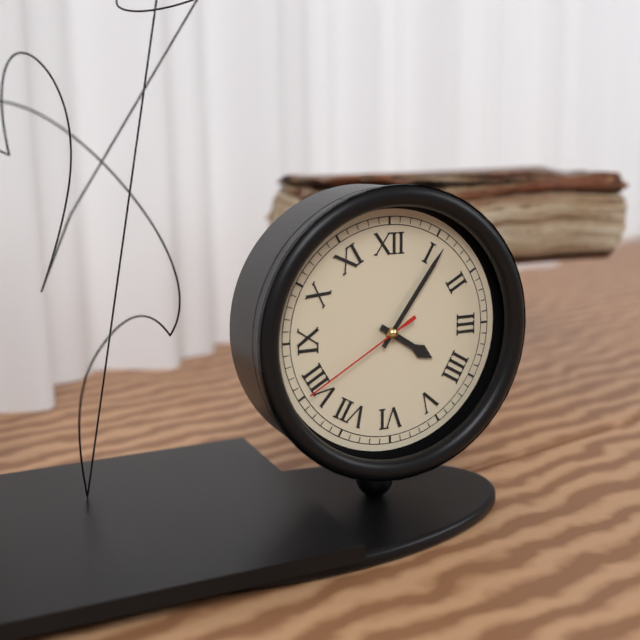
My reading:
4h06m40s
